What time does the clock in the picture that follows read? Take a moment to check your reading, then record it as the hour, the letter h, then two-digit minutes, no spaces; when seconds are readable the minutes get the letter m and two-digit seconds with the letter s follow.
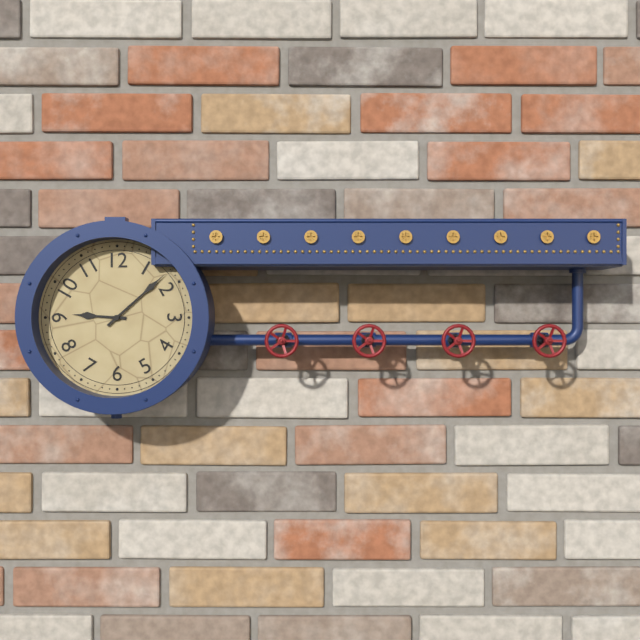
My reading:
9h08
